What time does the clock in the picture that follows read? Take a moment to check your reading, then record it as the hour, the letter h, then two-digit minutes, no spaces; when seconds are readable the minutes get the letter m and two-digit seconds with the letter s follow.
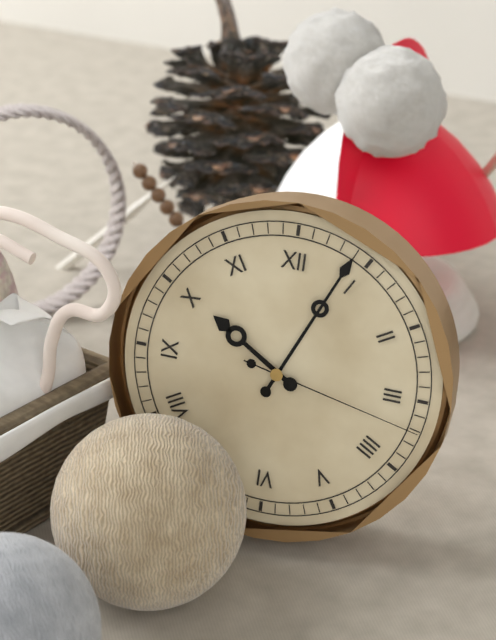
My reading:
10h04m17s
